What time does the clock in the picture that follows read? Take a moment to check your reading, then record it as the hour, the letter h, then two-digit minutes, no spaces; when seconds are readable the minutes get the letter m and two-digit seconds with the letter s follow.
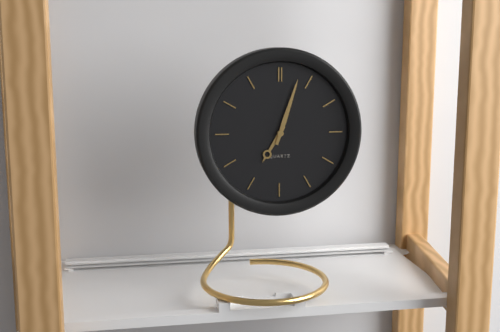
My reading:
7h03
